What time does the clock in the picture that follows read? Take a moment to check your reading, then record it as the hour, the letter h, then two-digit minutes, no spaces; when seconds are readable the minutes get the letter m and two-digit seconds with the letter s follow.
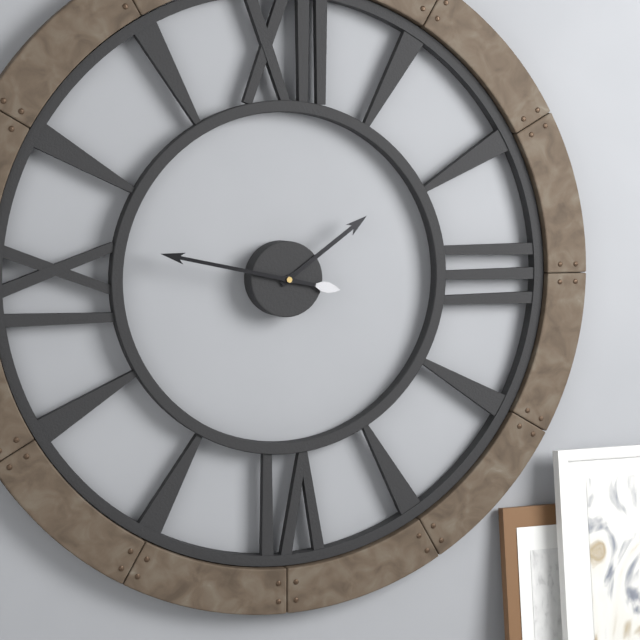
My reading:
1h47
